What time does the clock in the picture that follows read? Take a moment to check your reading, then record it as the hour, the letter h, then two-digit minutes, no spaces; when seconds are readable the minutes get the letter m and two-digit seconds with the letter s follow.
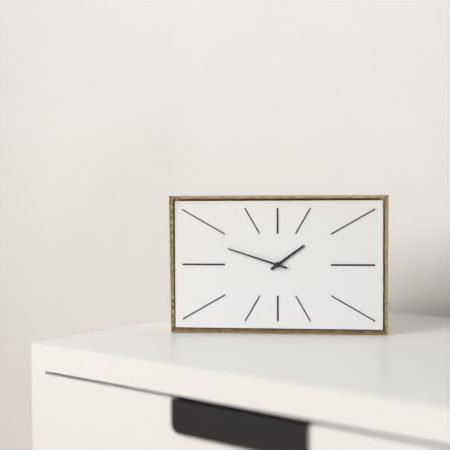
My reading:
1h48
